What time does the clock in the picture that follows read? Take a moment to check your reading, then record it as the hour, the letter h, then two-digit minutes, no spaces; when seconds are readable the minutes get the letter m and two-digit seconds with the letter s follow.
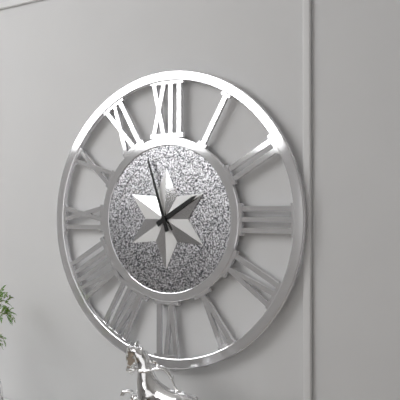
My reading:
1h57
